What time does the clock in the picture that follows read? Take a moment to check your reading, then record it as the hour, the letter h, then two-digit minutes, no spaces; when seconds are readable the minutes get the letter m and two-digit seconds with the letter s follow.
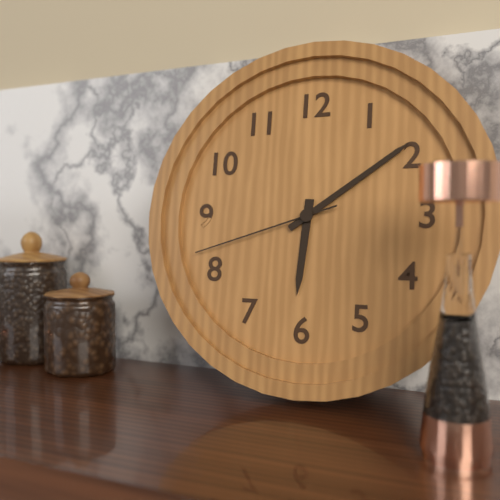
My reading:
6h09m42s
